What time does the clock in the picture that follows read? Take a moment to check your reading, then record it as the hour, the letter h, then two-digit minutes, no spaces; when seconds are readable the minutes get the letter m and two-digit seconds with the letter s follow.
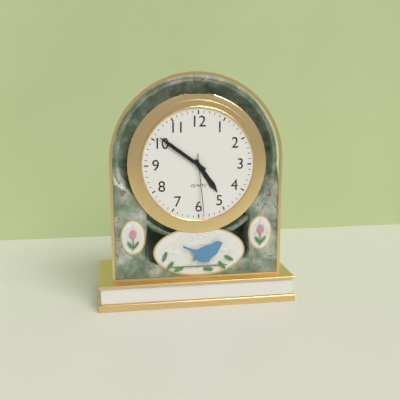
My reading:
4h51m29s
